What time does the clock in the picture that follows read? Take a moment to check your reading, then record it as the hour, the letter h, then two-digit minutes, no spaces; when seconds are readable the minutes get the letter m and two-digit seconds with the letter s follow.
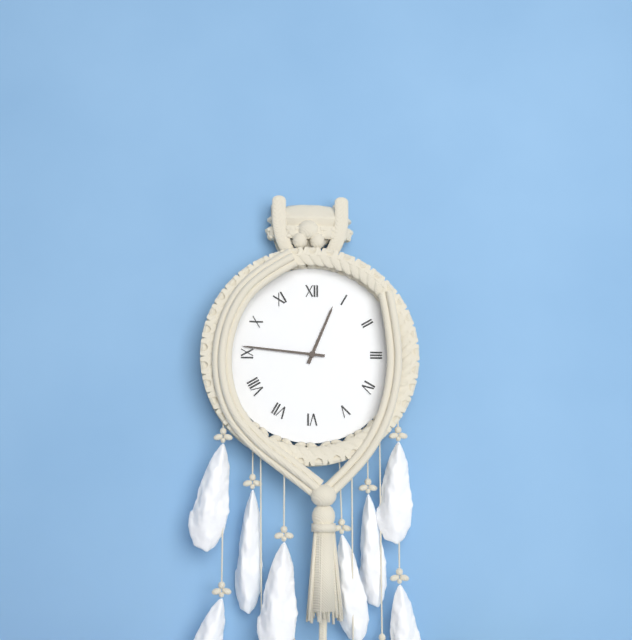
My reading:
12h46
